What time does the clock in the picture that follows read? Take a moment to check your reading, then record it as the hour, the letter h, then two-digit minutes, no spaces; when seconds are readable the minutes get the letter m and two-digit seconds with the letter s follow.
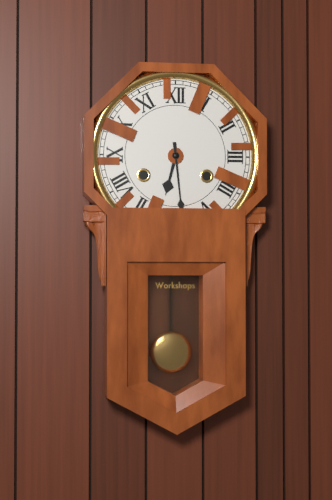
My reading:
6h29
